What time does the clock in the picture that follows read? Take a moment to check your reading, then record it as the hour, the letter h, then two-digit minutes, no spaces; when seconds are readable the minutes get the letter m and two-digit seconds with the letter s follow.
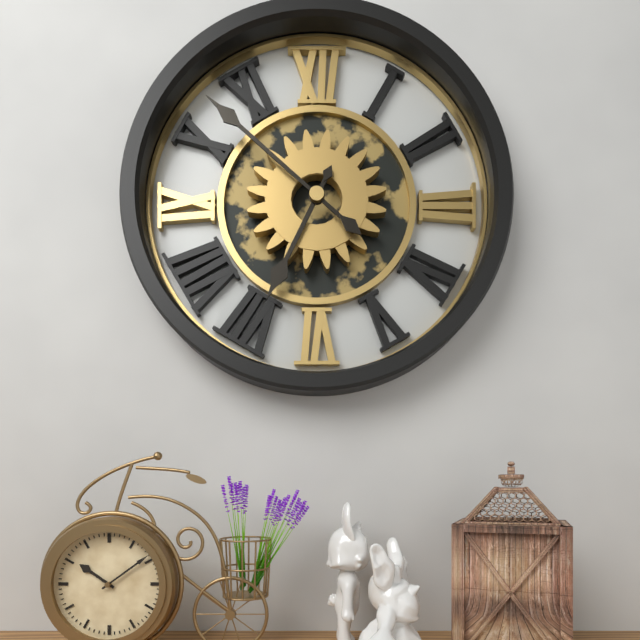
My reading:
6h52
